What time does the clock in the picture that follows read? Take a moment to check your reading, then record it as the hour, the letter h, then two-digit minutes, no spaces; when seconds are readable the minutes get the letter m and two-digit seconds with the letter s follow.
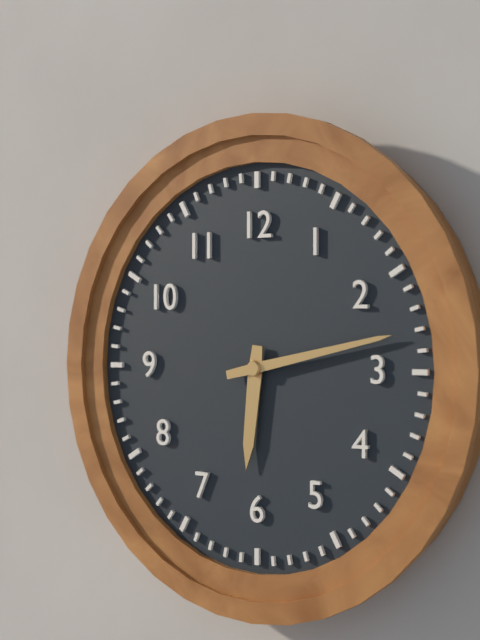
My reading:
6h13
